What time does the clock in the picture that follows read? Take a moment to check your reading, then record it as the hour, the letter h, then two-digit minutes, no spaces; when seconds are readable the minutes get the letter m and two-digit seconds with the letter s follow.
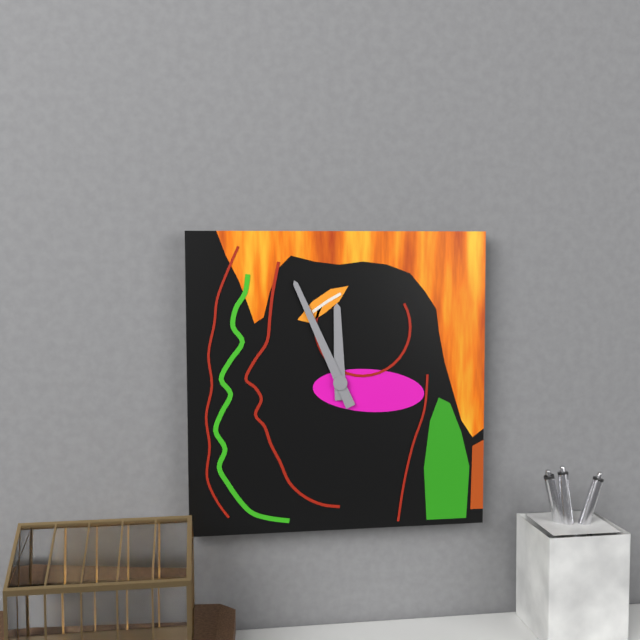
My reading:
11h56
